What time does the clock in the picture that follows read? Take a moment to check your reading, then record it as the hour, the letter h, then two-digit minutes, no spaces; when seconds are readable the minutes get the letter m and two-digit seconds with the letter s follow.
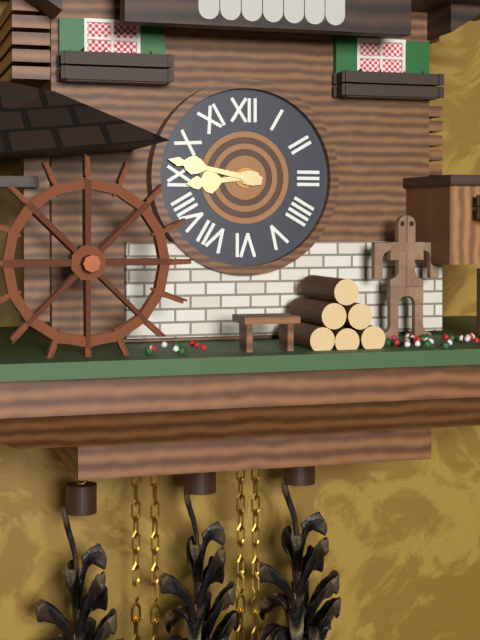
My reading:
8h47
